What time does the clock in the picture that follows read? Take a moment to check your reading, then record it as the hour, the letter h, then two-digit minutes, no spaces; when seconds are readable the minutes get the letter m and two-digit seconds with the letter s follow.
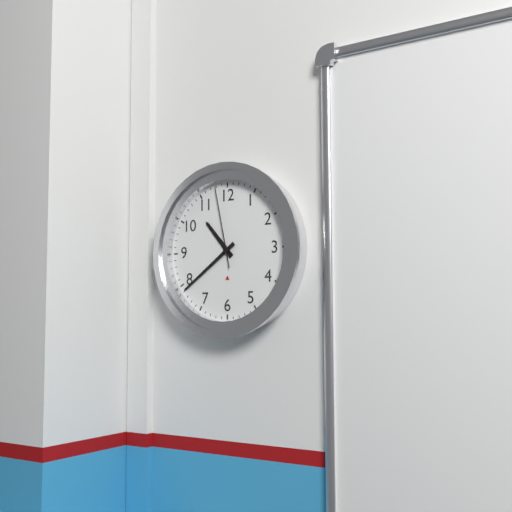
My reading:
10h39m58s
